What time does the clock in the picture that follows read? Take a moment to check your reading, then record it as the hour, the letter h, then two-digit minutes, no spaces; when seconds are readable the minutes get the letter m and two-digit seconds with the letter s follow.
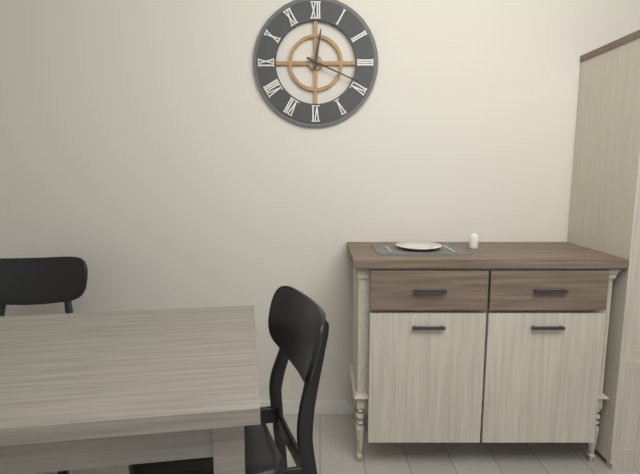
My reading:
12h19
